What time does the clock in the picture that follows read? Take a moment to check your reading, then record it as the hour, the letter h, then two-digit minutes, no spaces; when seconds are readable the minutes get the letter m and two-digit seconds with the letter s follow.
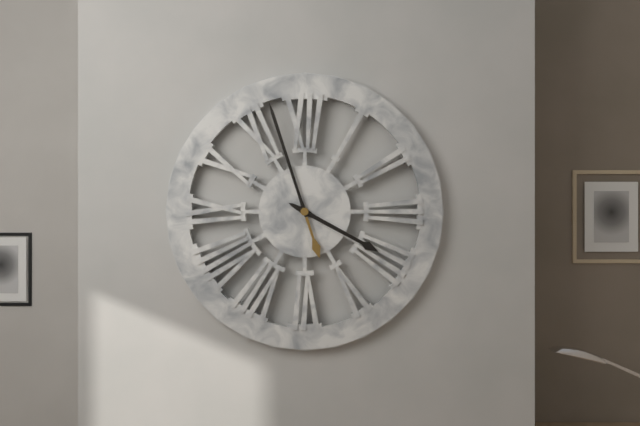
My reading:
3h57
